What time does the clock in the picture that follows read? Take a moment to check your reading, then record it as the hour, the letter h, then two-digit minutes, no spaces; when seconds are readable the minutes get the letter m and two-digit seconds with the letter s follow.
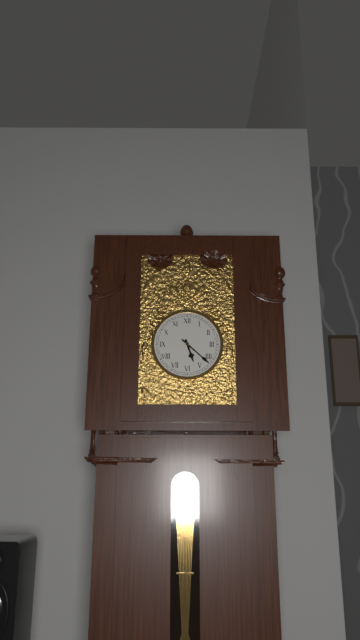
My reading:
5h22
